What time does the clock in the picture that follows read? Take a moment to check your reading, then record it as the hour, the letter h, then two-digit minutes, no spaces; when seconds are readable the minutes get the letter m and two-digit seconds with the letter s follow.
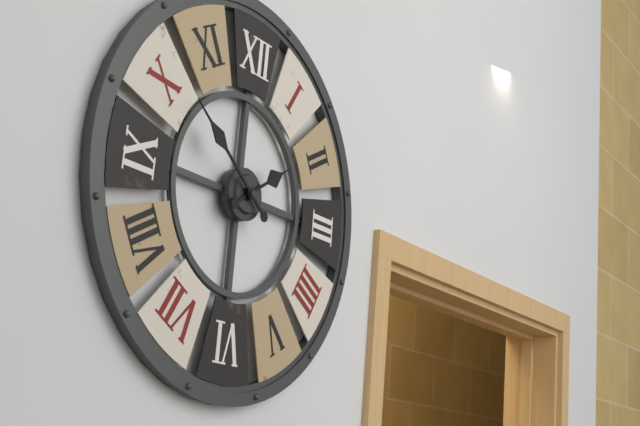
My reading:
1h51
